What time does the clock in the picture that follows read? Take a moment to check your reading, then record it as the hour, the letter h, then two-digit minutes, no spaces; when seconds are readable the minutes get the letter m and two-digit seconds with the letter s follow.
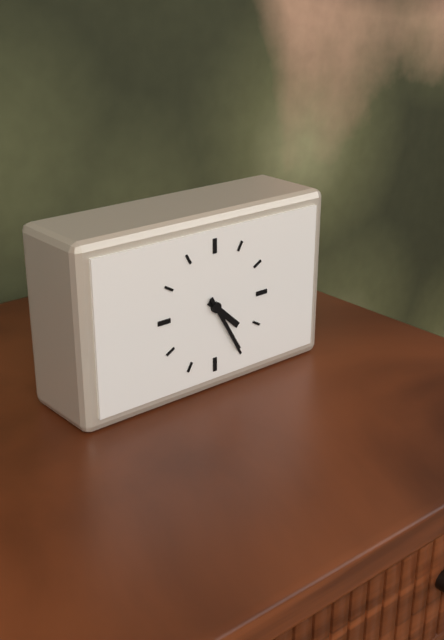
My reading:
4h25
